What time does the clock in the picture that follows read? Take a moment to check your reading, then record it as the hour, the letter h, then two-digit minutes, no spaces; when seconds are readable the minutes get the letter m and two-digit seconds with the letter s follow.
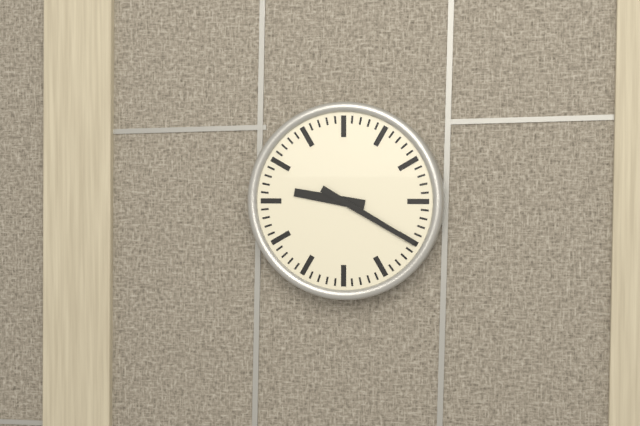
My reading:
9h20
